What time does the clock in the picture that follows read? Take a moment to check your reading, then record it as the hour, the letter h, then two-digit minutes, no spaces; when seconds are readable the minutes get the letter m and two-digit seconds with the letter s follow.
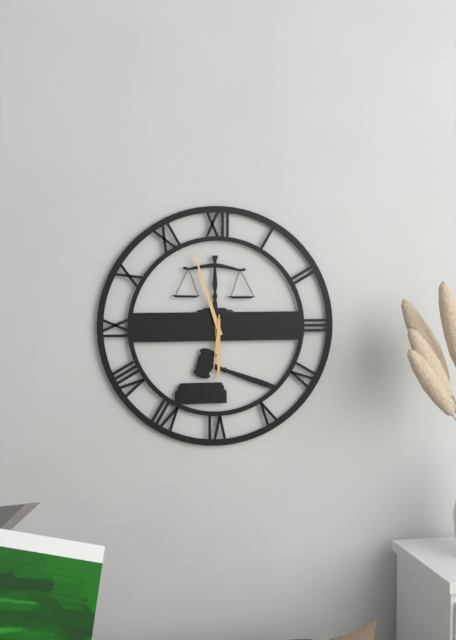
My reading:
5h57m31s
